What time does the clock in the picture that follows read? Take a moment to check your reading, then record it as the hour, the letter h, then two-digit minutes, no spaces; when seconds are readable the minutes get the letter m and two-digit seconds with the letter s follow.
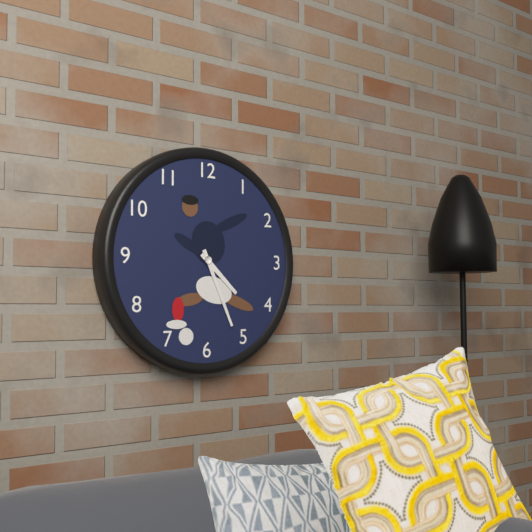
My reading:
4h26
